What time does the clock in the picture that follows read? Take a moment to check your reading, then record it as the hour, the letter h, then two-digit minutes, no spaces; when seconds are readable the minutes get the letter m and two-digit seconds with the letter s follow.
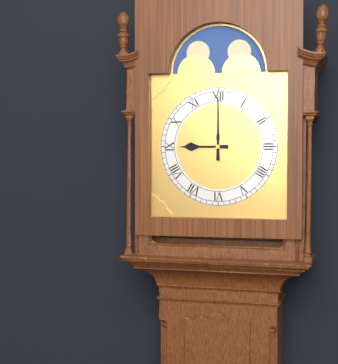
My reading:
9h00
